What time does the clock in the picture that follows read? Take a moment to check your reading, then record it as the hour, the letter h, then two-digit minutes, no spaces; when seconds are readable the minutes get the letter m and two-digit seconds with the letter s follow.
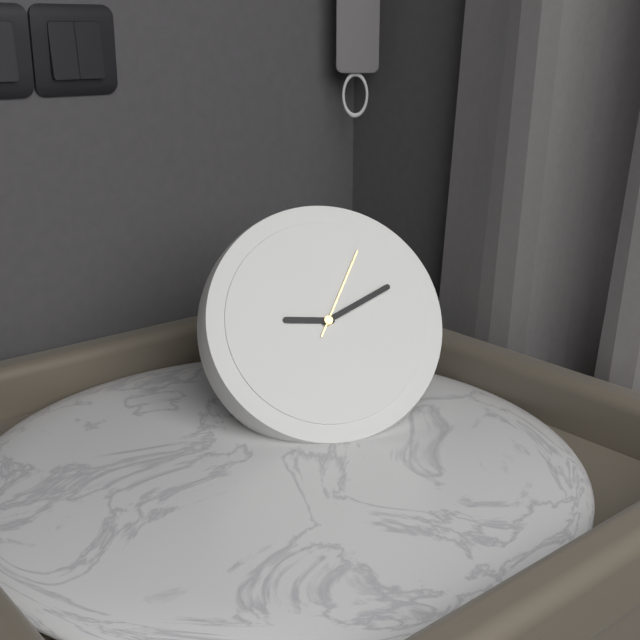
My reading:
9h11m05s
